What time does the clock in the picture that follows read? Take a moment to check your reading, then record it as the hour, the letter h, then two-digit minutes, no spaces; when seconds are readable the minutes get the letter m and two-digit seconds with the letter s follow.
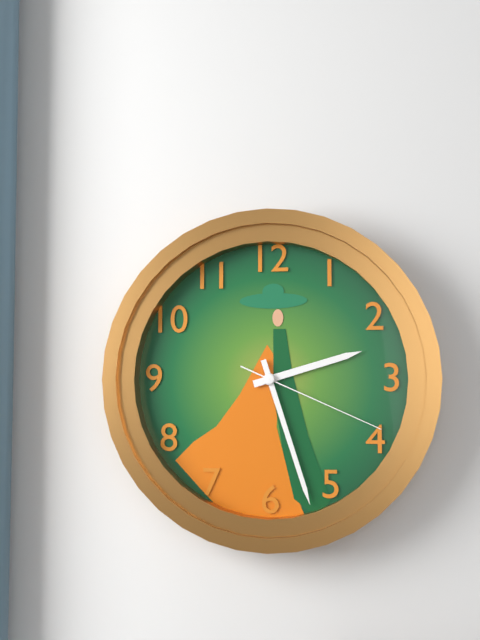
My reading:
2h27m19s
